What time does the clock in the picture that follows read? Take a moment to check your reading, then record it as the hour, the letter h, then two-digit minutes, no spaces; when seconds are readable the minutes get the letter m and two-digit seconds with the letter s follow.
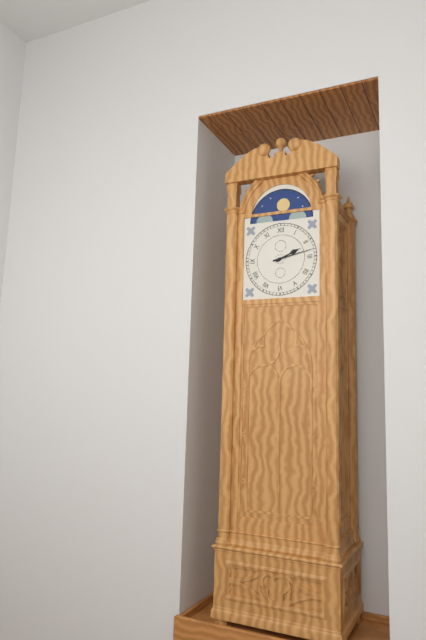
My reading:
2h13
